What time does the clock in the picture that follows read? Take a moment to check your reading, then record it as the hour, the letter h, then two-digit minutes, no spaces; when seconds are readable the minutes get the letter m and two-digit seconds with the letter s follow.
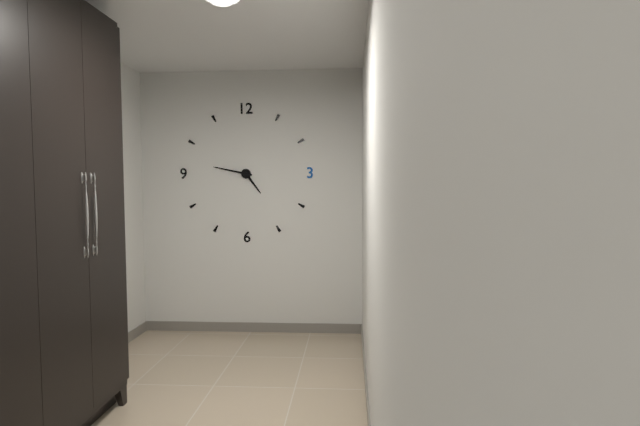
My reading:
4h47
